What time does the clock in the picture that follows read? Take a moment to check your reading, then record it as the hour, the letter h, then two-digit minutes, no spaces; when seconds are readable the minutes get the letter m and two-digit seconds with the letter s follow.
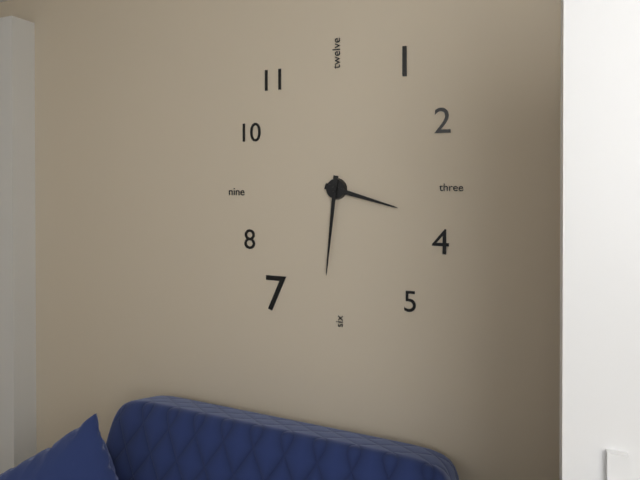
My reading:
3h31
